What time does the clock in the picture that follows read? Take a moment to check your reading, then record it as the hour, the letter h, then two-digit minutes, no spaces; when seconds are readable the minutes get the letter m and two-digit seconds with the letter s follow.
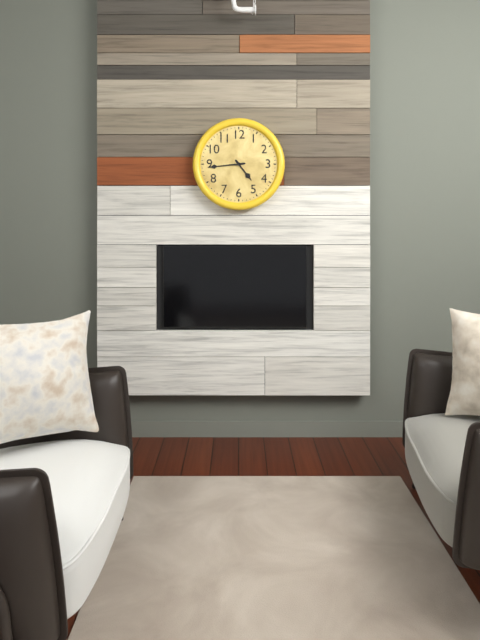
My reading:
4h44
